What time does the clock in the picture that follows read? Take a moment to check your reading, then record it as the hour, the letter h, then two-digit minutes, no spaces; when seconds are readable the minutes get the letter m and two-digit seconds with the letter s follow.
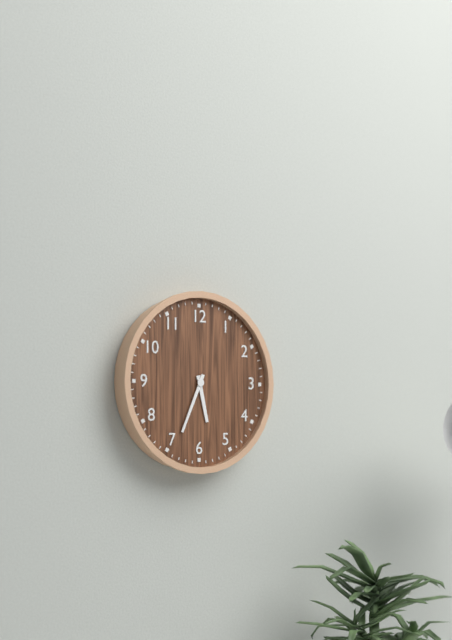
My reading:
5h34
